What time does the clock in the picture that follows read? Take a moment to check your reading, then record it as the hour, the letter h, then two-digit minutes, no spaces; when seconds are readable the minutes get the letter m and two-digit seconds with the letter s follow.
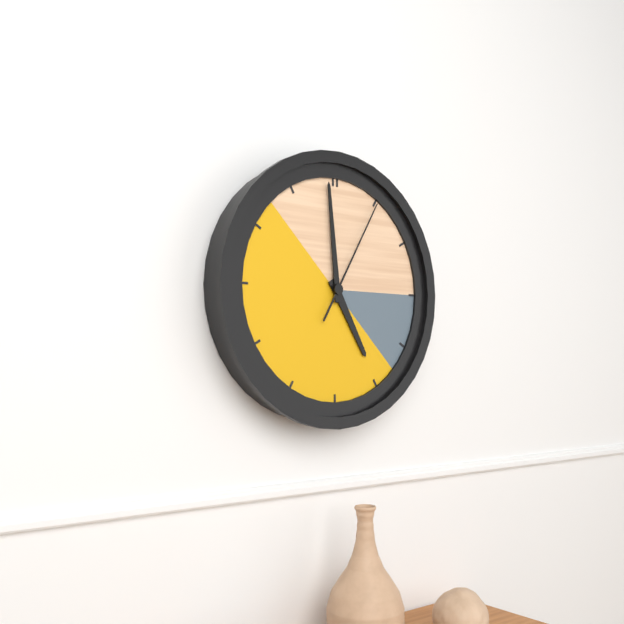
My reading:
4h59m05s
